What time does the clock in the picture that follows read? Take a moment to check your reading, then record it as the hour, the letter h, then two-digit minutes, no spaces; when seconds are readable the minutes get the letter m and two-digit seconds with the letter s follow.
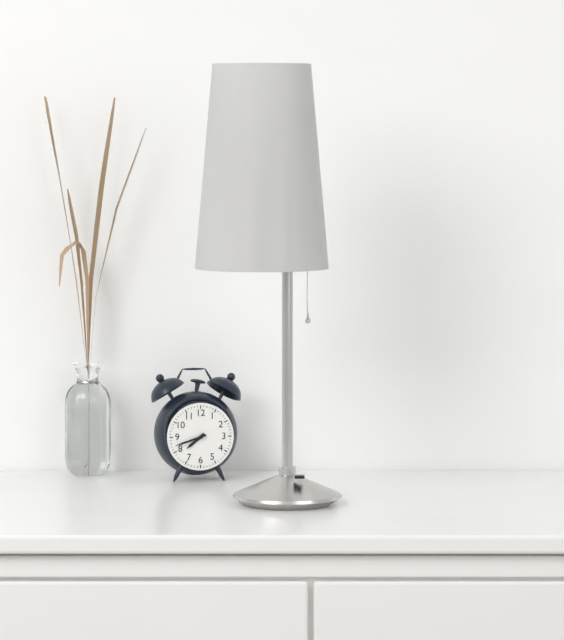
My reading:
7h42
